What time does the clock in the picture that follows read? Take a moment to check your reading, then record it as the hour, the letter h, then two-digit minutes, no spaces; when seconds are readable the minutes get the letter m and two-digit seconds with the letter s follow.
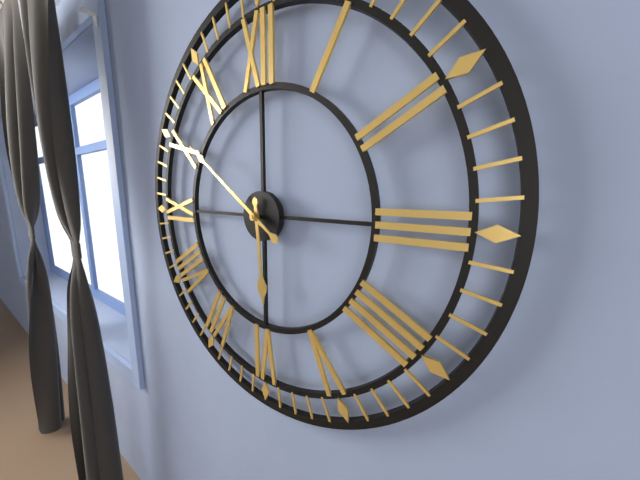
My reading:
5h51
